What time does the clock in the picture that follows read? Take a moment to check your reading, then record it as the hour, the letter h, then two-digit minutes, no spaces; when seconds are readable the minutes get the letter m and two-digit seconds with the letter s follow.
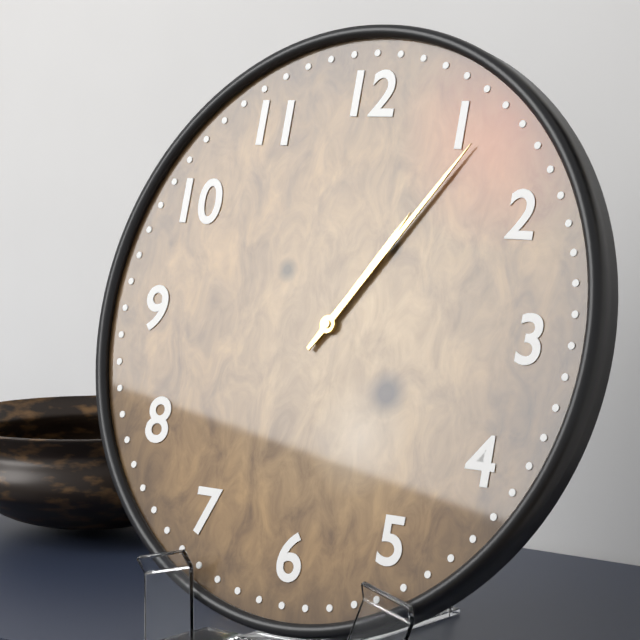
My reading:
1h06
